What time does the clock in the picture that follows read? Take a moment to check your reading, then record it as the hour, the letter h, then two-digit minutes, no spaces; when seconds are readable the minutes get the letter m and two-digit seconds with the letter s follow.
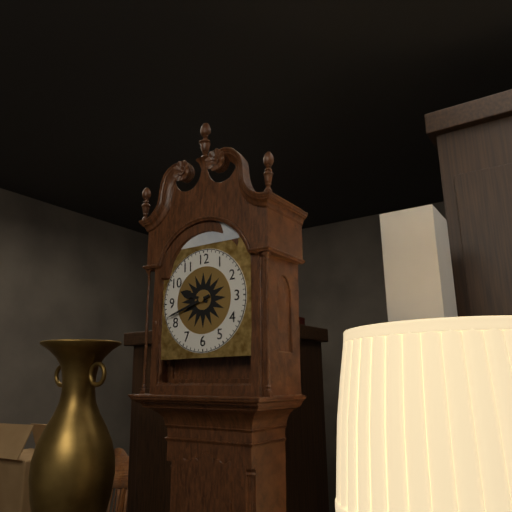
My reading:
9h42
